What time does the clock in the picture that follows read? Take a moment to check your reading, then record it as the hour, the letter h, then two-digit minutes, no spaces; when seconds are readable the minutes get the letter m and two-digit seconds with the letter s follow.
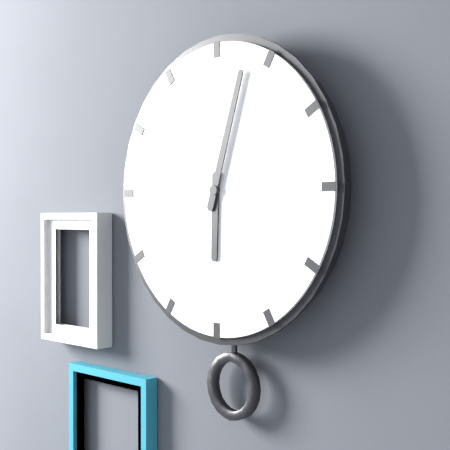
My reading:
6h03
